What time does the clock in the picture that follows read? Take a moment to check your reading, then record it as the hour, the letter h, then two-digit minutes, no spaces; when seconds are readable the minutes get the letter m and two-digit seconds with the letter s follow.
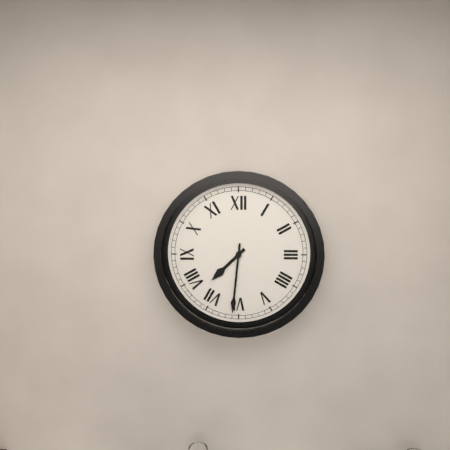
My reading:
7h31
